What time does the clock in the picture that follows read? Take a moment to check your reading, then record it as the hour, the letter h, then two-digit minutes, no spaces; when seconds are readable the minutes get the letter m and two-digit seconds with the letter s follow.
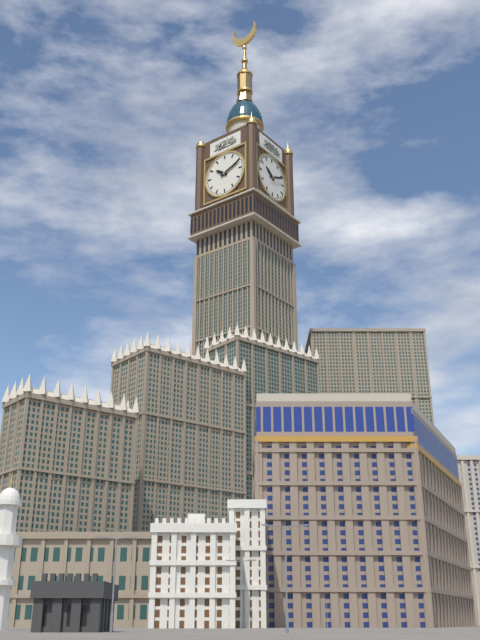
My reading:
10h11
